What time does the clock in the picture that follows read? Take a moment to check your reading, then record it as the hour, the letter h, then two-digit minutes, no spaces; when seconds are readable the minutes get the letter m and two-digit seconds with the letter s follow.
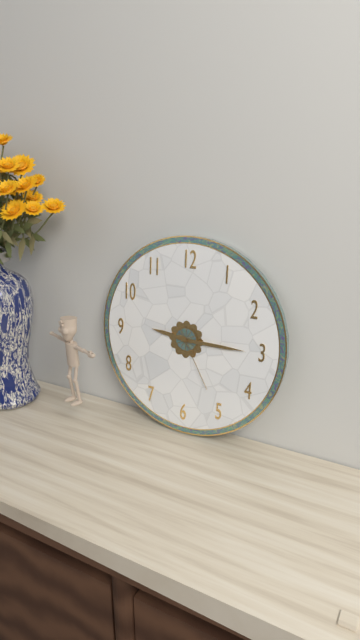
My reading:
9h15m25s
